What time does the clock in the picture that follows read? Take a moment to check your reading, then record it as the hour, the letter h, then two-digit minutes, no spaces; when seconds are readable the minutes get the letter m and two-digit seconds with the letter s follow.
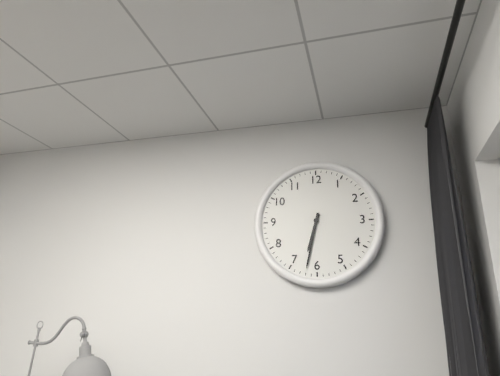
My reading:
6h32
